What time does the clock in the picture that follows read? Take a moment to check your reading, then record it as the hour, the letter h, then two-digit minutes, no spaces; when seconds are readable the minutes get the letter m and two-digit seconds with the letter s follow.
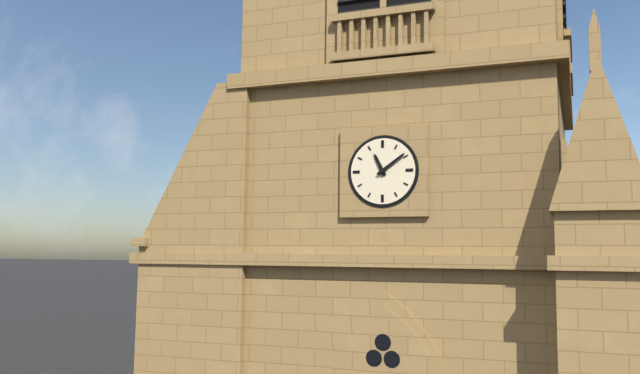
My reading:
11h09
